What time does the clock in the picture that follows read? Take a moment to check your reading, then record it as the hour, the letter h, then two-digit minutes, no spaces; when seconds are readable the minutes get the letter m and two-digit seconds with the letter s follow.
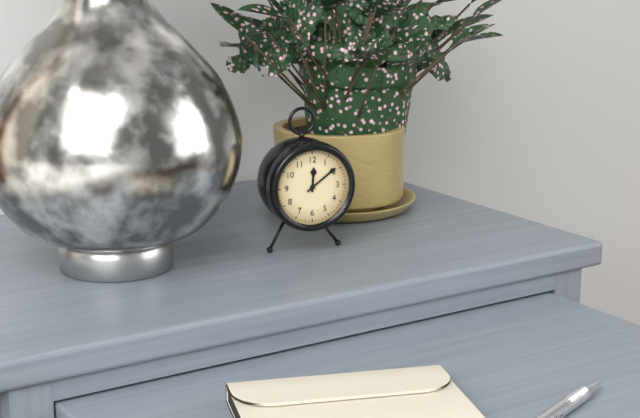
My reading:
12h09
